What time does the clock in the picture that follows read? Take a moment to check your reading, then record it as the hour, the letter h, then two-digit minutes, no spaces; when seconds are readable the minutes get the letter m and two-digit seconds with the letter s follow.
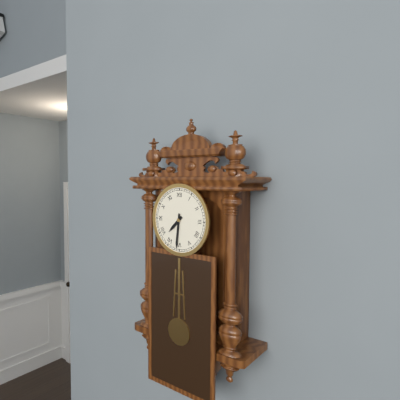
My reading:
7h31
